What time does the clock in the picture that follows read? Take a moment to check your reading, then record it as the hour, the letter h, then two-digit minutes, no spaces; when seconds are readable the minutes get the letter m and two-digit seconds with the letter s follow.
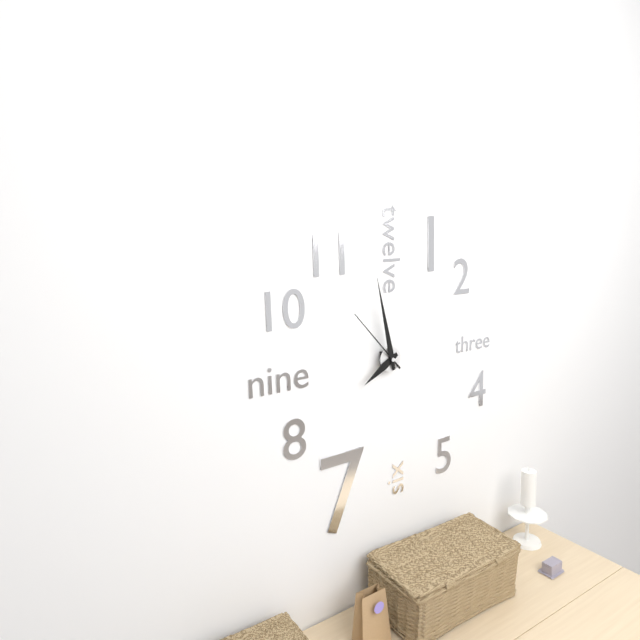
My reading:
7h58m53s
